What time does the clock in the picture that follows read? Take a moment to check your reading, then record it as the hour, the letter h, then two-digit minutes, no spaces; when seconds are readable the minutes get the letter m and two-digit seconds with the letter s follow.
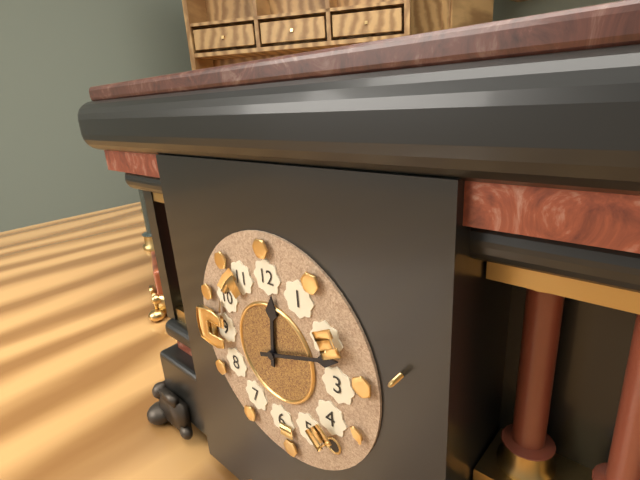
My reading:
12h12
